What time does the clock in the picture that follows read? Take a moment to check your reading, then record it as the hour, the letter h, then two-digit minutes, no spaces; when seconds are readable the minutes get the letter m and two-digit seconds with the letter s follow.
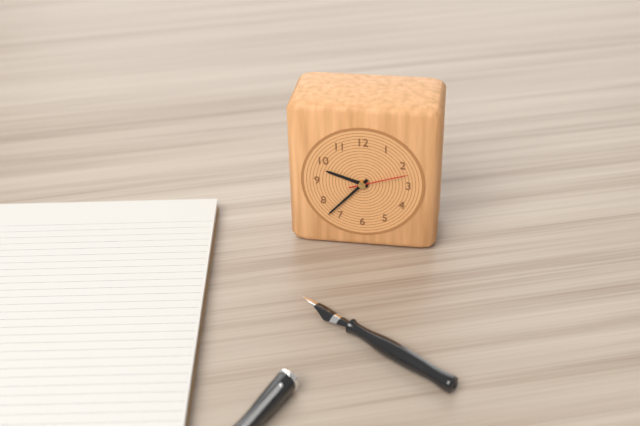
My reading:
9h37m12s
